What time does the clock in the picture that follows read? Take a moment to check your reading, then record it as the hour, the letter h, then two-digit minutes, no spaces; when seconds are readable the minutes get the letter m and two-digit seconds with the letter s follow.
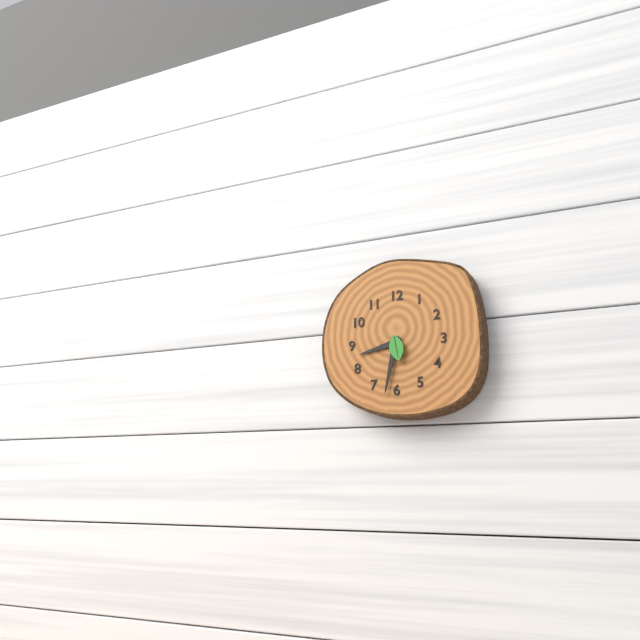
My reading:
8h32
